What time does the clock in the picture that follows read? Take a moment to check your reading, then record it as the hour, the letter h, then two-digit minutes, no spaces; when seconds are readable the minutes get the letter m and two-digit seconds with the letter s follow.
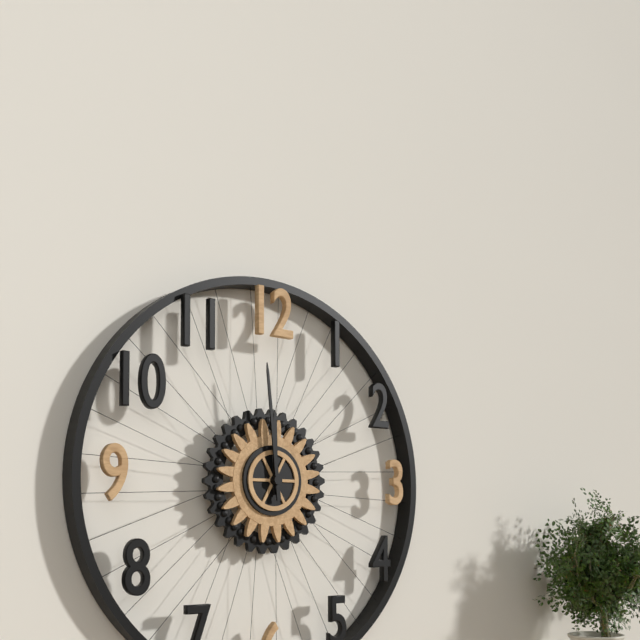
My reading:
11h59
